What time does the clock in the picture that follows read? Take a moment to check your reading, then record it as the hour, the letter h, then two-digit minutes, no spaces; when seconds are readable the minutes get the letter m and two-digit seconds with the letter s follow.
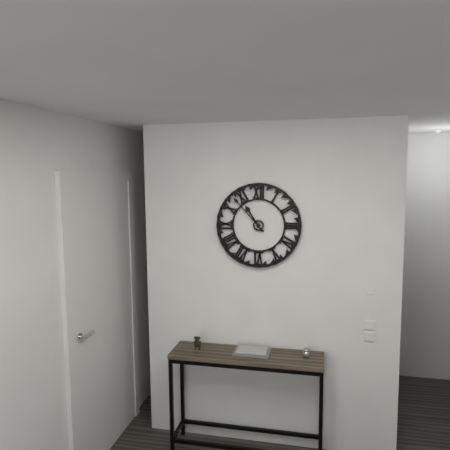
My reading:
10h53
